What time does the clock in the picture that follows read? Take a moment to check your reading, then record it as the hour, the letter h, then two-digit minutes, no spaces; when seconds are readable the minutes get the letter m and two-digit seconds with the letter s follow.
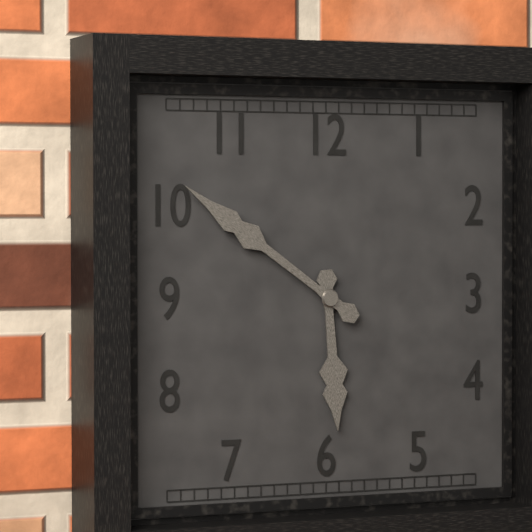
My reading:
5h51
